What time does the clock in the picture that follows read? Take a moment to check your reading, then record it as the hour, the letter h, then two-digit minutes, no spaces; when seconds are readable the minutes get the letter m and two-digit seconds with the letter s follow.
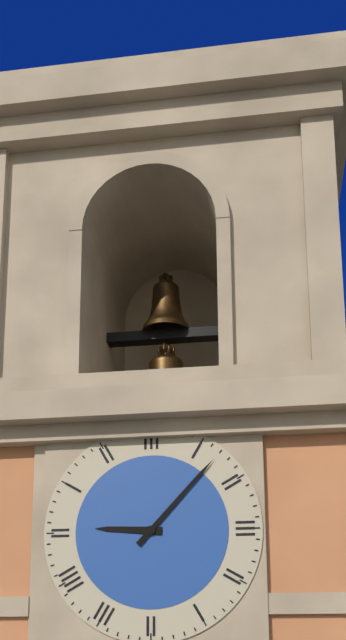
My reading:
9h07
